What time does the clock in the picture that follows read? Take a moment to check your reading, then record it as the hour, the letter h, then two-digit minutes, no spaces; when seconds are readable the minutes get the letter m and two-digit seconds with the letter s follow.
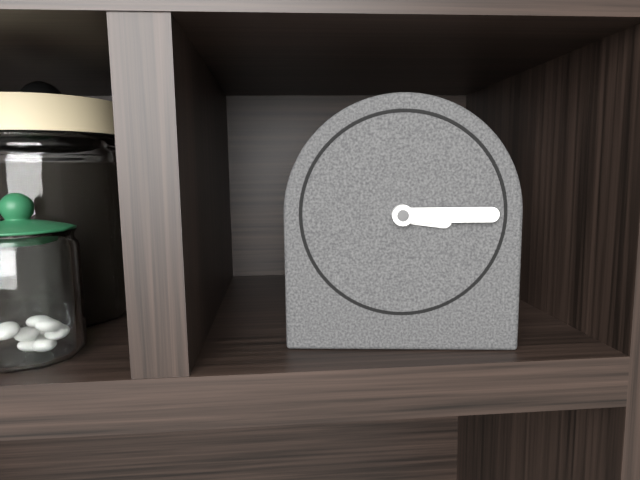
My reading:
3h15
